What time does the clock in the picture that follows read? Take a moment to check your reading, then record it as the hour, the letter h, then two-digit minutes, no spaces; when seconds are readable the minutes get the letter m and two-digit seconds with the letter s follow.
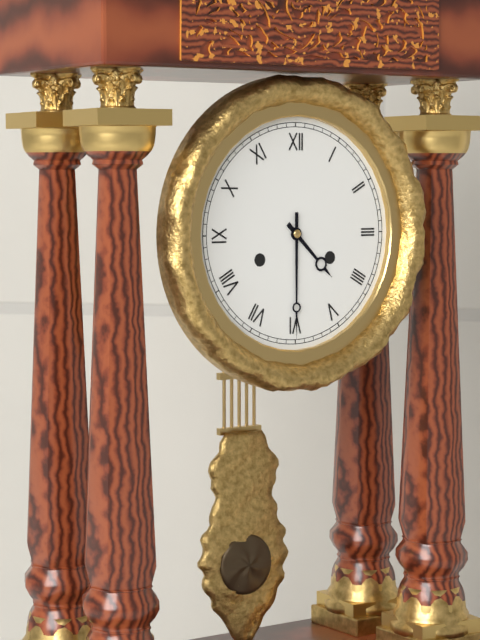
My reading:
4h30
